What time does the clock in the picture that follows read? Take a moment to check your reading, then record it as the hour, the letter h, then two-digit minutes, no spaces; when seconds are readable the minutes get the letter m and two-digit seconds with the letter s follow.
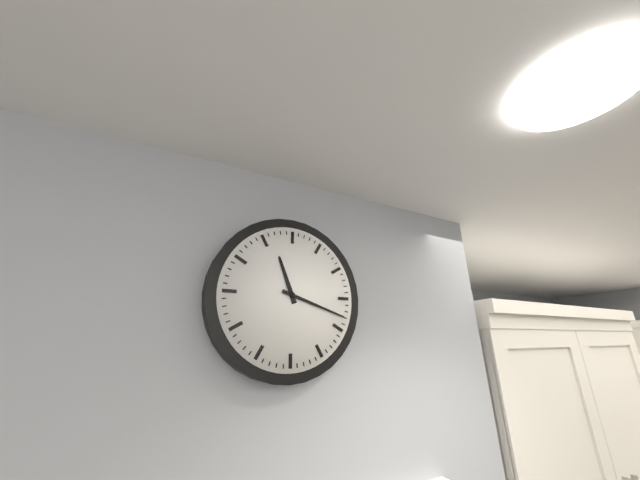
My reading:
11h18
